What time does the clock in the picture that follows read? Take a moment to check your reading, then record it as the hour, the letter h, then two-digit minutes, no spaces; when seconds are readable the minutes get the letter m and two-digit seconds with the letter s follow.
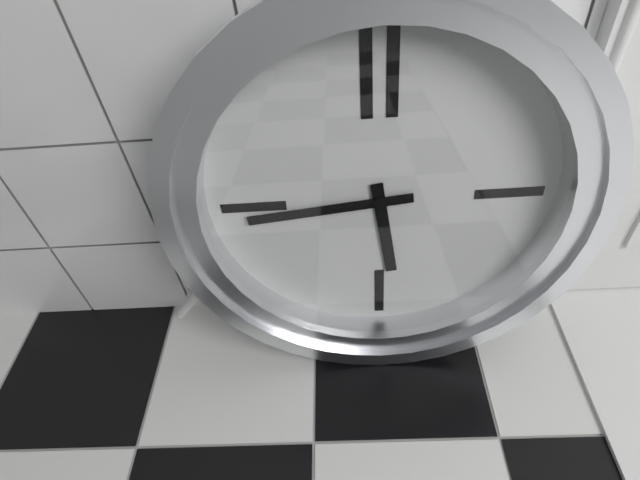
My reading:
5h44
